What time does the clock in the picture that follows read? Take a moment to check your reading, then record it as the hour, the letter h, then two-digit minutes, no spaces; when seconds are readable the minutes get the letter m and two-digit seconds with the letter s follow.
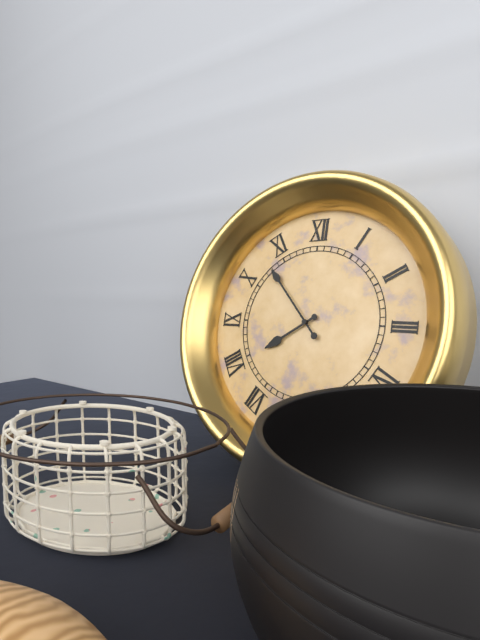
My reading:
7h53
